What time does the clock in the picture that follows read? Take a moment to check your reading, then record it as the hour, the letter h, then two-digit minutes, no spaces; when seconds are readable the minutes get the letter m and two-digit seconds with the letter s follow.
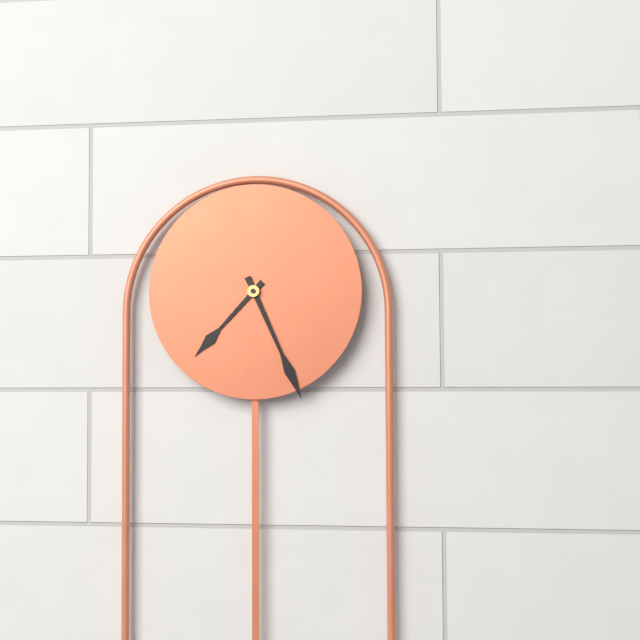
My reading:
7h26
